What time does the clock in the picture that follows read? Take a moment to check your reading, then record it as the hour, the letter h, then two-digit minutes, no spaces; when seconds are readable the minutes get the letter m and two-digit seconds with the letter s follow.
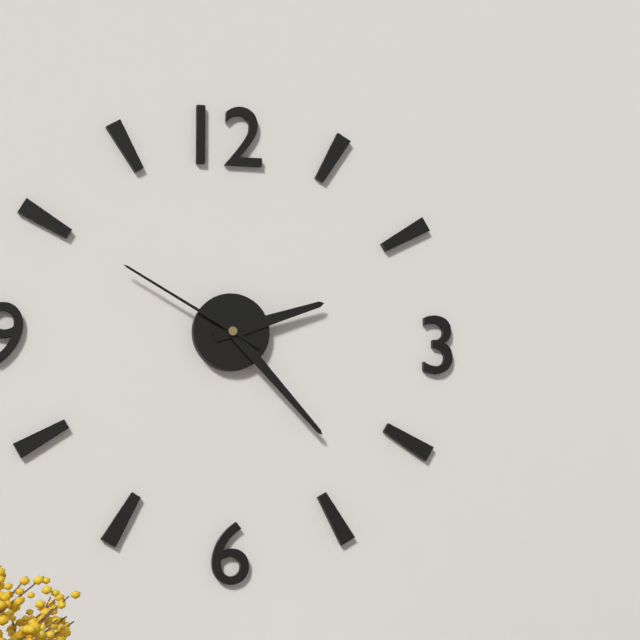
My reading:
2h23m50s
